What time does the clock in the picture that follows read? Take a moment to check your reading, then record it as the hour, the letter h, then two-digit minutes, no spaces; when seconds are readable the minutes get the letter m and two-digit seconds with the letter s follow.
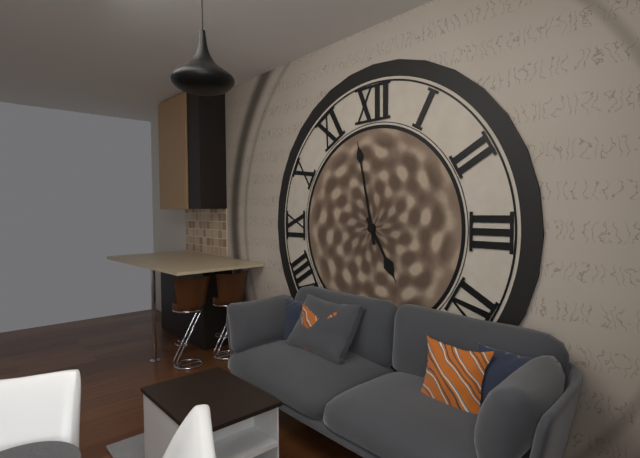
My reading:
4h58
